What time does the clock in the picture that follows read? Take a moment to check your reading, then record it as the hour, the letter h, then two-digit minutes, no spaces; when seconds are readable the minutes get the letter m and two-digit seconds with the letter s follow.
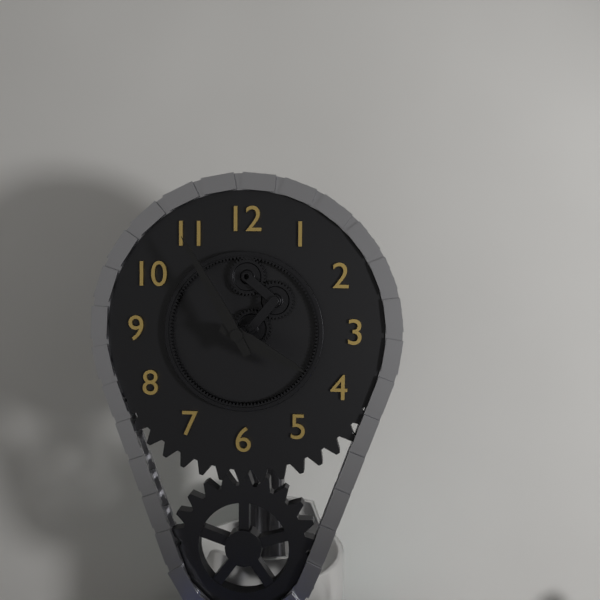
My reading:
3h55
